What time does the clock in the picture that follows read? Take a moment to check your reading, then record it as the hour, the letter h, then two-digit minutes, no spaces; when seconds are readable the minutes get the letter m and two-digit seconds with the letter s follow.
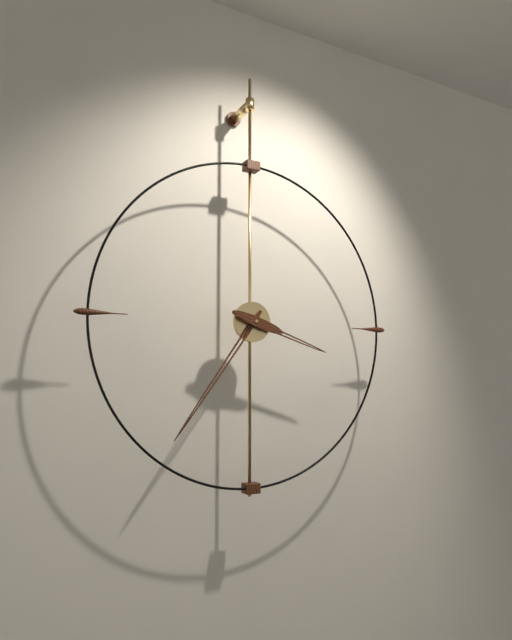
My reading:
3h36
